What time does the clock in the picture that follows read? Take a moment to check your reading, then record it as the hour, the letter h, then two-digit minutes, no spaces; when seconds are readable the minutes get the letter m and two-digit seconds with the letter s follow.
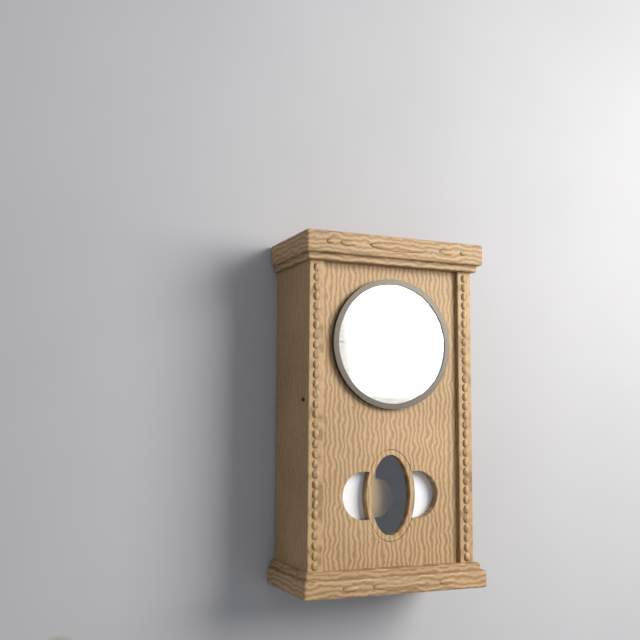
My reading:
11h07
